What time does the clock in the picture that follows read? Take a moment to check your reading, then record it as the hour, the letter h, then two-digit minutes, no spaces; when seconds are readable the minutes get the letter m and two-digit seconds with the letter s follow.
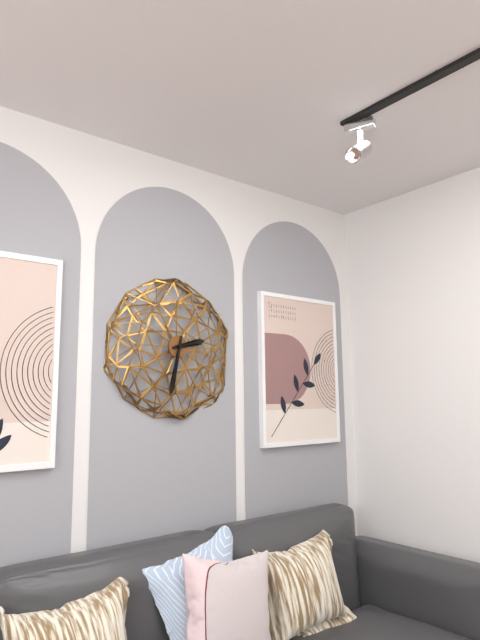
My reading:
2h32
